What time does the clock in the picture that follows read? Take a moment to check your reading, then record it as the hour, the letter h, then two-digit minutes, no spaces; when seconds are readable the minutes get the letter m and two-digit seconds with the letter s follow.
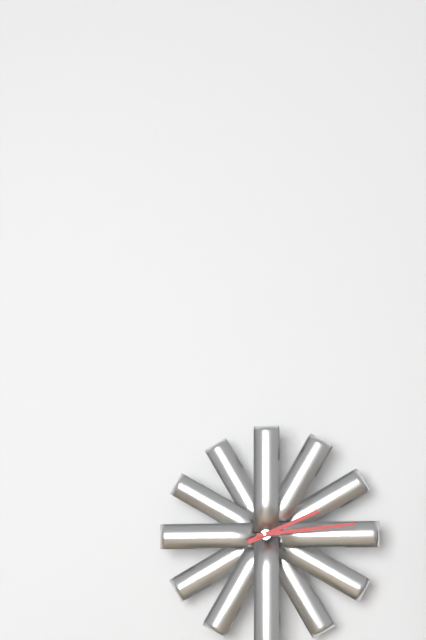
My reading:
2h14
